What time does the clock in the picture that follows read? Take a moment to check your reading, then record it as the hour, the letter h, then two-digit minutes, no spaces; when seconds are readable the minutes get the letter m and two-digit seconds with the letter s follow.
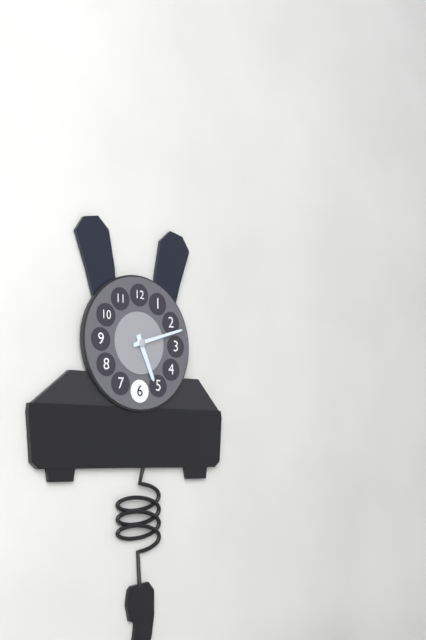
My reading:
5h12
